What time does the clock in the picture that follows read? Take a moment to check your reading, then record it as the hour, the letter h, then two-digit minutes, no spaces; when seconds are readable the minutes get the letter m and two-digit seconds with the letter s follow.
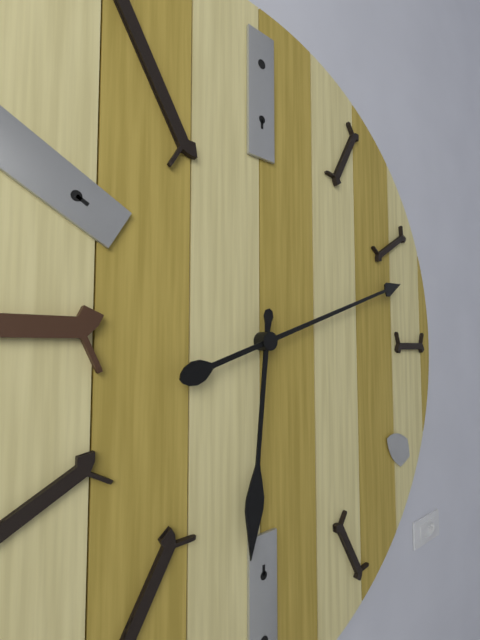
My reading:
6h12
